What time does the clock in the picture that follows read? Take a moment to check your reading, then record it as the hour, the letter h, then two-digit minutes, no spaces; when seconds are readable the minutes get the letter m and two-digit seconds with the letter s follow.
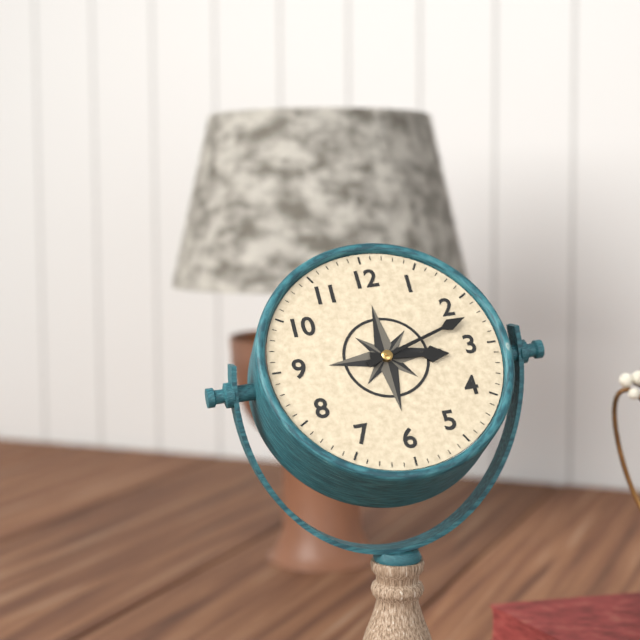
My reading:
3h12
